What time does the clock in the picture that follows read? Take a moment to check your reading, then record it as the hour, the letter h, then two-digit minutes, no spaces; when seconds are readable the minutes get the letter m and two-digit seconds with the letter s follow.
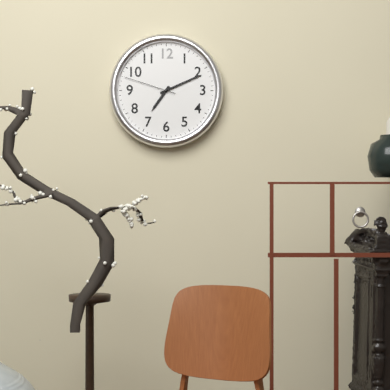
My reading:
7h11m48s
